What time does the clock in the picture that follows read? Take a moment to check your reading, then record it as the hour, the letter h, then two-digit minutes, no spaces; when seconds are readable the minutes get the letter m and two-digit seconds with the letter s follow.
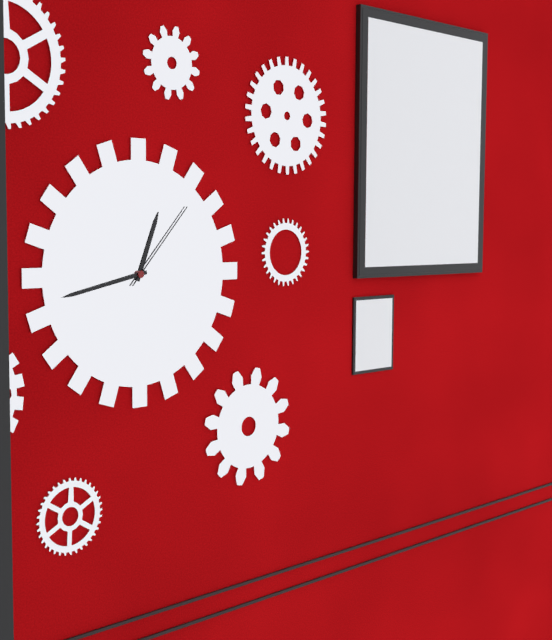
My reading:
12h43m07s
